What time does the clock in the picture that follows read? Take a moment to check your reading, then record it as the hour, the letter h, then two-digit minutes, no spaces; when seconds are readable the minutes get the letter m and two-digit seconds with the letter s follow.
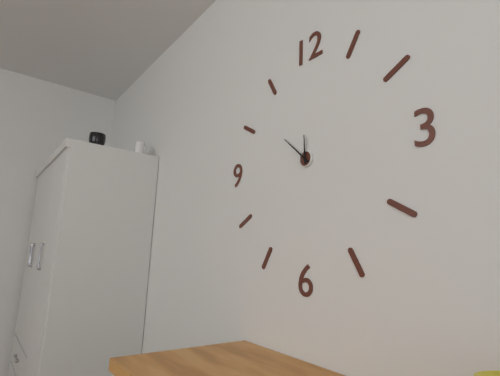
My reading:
11h52
